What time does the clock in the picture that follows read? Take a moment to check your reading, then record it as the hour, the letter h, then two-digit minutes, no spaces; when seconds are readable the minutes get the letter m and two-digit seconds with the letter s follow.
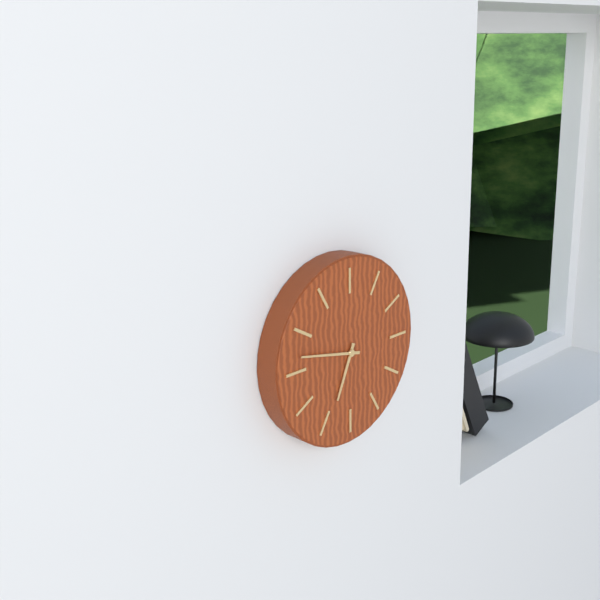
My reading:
6h47
